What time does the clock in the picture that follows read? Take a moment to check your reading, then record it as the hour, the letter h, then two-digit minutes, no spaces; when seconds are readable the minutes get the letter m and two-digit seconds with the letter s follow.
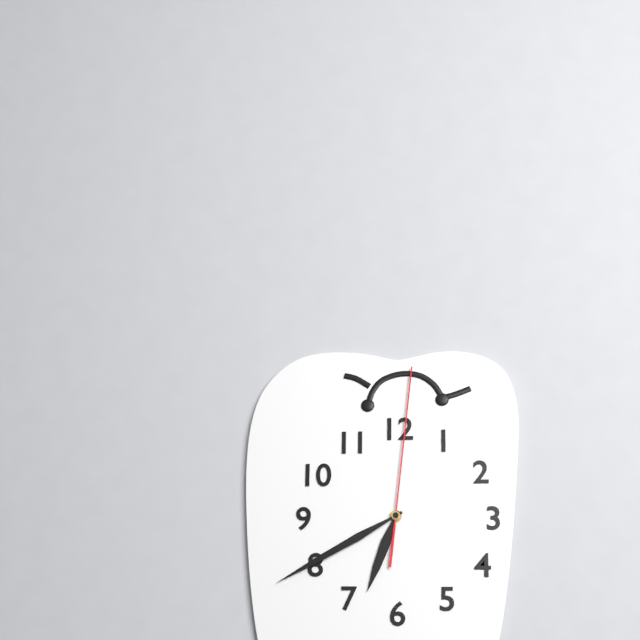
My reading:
6h40m01s
